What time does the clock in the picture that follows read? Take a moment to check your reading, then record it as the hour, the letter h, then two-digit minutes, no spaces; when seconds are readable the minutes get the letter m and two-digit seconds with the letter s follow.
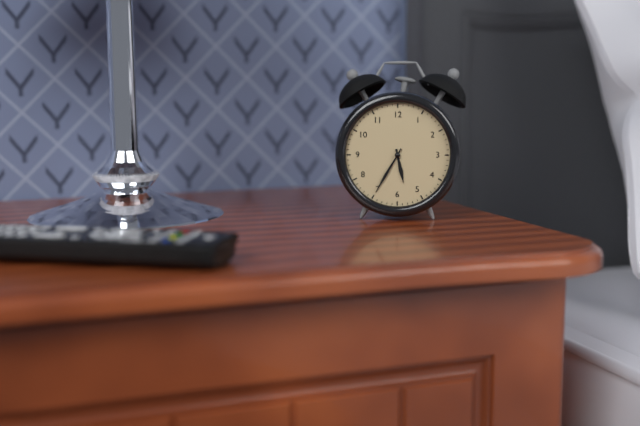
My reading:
5h35
